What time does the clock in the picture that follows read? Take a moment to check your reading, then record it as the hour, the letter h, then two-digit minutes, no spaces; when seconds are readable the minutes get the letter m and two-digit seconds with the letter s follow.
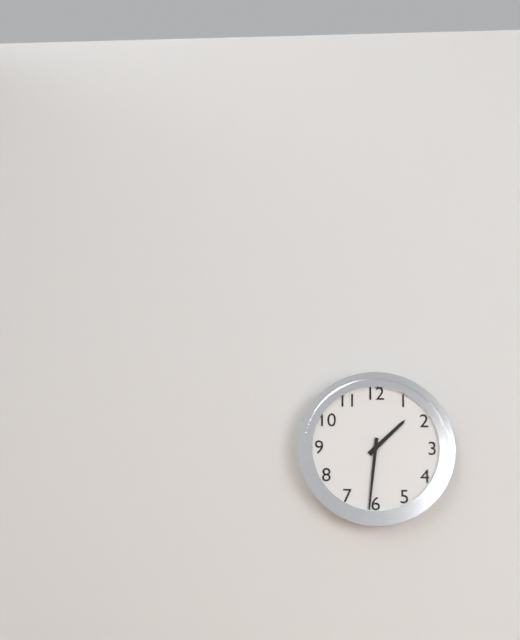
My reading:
1h31
